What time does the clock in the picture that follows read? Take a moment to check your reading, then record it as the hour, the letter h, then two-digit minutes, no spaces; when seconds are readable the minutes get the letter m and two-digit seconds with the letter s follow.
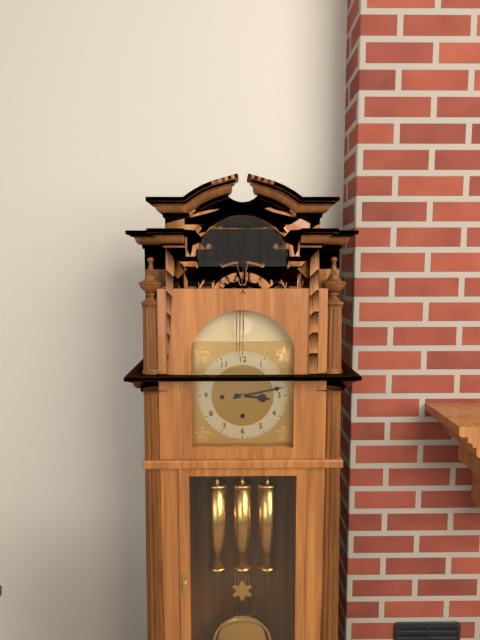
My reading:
3h13
